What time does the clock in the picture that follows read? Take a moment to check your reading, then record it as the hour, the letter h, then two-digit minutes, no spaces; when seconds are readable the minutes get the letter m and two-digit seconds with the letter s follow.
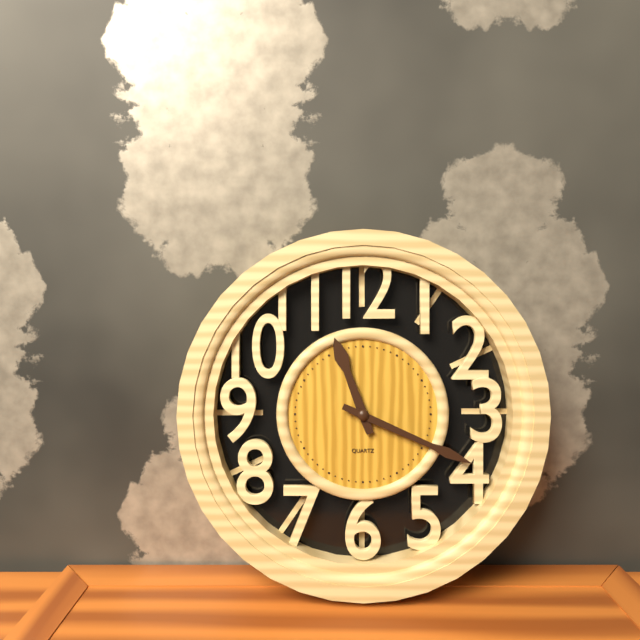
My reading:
11h19
